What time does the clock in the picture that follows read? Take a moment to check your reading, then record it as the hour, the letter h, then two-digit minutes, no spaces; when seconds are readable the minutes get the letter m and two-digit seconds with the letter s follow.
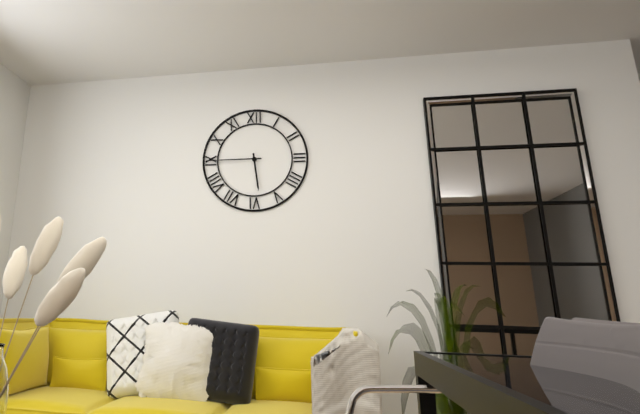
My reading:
5h45
